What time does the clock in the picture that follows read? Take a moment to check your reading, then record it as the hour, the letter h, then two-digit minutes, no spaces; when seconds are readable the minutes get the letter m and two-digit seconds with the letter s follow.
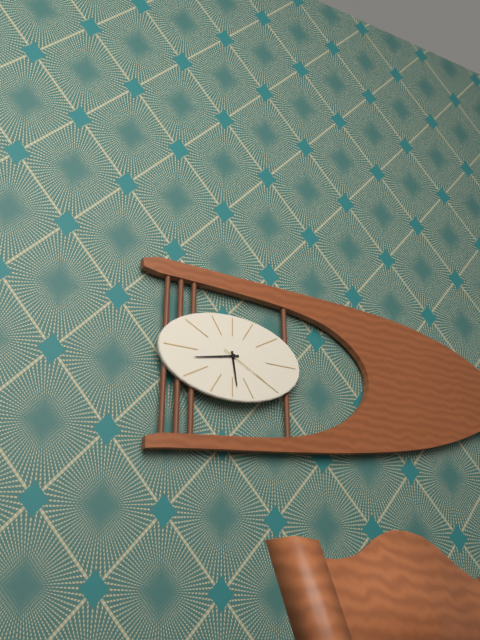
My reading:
5h43m20s
